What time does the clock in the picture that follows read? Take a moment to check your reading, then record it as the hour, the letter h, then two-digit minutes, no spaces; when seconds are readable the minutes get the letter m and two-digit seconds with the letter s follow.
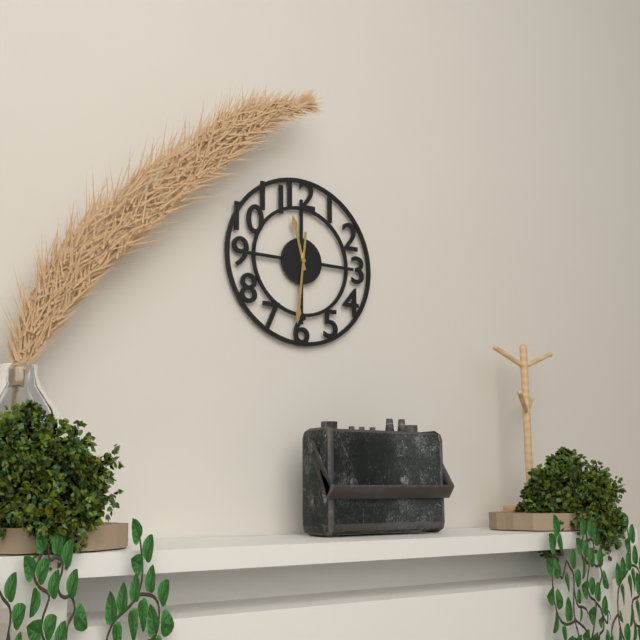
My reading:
11h31
